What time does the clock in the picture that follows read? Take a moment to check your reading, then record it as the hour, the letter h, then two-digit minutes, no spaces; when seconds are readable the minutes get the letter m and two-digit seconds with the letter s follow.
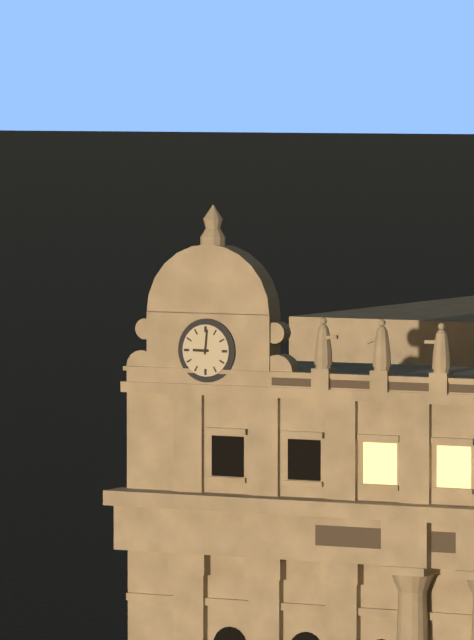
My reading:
9h01
